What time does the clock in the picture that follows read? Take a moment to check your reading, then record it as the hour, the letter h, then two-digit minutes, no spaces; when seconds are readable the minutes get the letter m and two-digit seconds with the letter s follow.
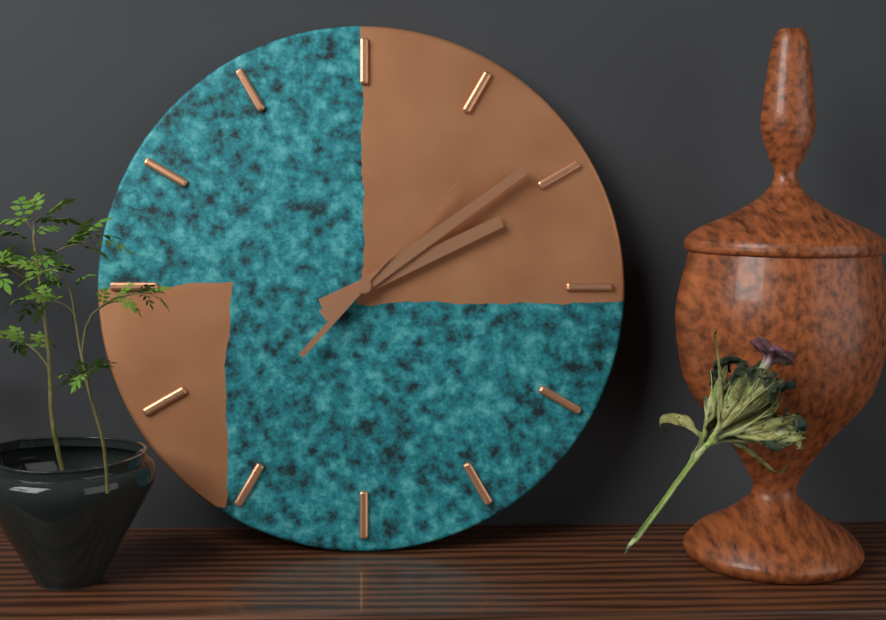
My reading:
2h09m07s
